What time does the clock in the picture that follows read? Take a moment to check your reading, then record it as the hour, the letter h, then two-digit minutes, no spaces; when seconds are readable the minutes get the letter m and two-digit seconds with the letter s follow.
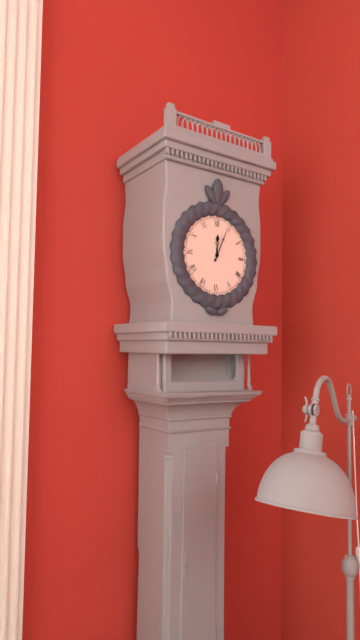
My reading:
12h04
